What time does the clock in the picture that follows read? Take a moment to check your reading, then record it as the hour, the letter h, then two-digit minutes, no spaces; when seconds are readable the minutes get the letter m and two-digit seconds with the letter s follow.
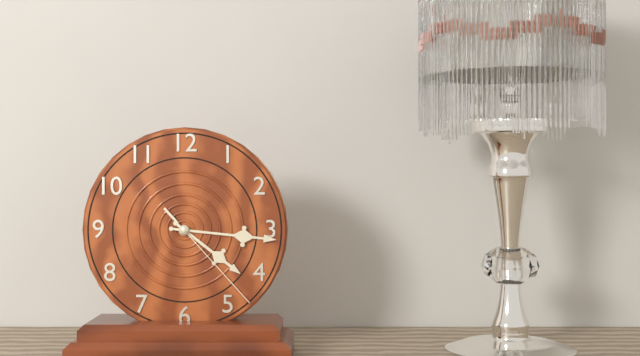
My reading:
4h16m23s
